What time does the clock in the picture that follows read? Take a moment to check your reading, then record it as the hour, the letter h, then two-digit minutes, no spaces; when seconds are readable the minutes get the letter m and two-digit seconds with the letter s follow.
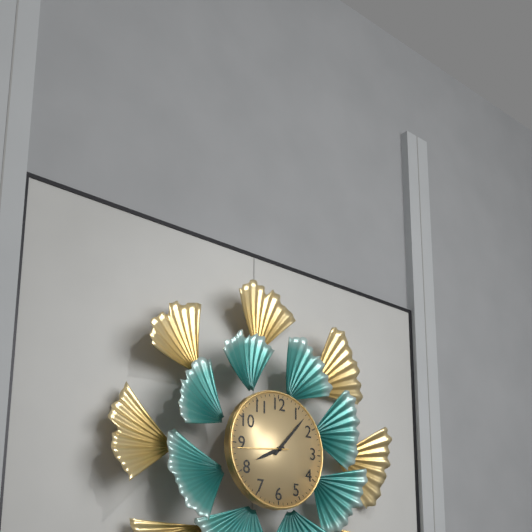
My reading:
8h07m44s
